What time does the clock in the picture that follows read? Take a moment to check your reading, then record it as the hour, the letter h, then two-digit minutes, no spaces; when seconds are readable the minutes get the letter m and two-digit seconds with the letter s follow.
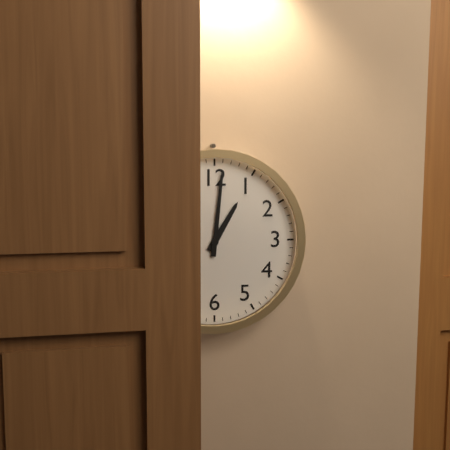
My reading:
1h01
